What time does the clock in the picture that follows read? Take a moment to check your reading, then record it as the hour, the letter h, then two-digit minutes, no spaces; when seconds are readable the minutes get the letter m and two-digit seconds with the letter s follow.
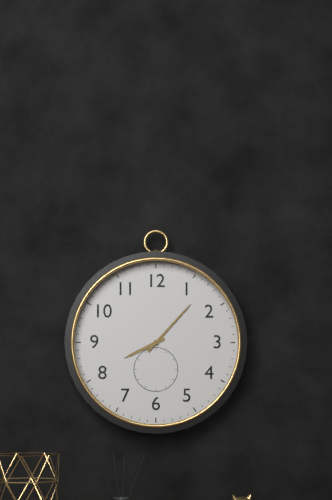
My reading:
8h07
